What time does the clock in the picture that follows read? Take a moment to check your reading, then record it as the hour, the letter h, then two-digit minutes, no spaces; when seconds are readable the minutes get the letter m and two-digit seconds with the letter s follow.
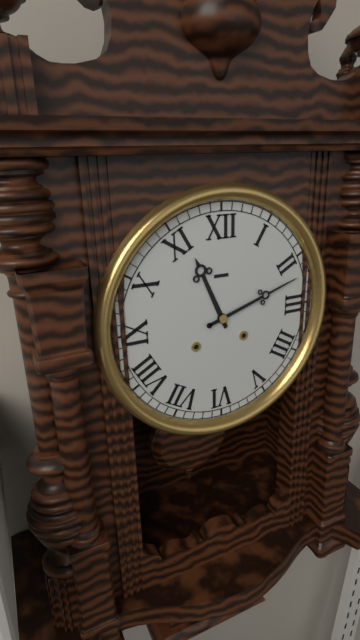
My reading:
11h12
